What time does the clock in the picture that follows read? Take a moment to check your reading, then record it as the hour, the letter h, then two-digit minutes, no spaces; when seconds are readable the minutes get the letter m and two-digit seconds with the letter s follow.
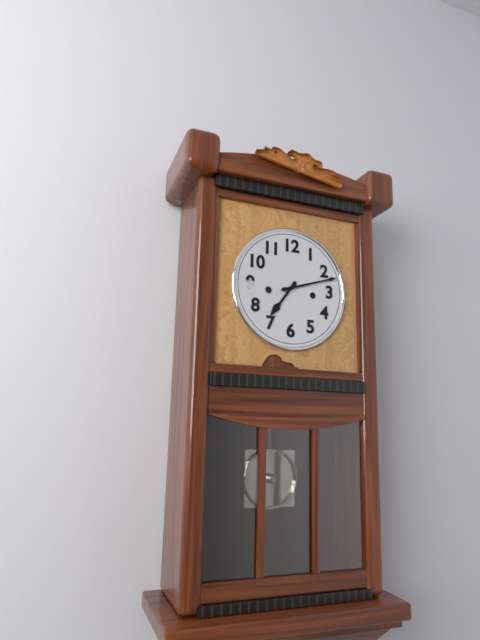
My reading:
7h12
